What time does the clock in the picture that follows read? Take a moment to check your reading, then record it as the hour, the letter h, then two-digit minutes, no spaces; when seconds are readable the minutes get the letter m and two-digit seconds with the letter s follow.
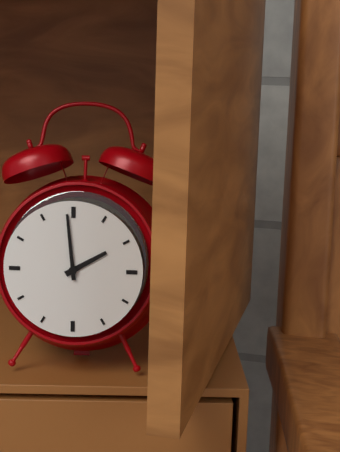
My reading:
1h59
